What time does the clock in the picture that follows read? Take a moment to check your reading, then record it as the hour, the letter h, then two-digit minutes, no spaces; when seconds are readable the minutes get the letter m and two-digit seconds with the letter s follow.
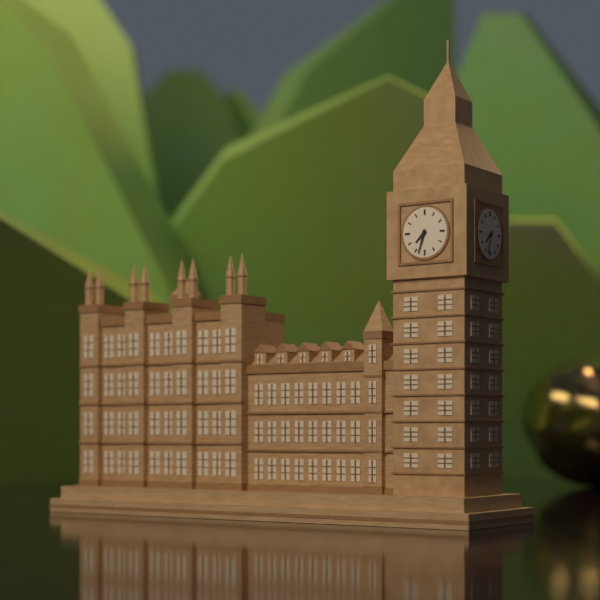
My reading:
7h33
